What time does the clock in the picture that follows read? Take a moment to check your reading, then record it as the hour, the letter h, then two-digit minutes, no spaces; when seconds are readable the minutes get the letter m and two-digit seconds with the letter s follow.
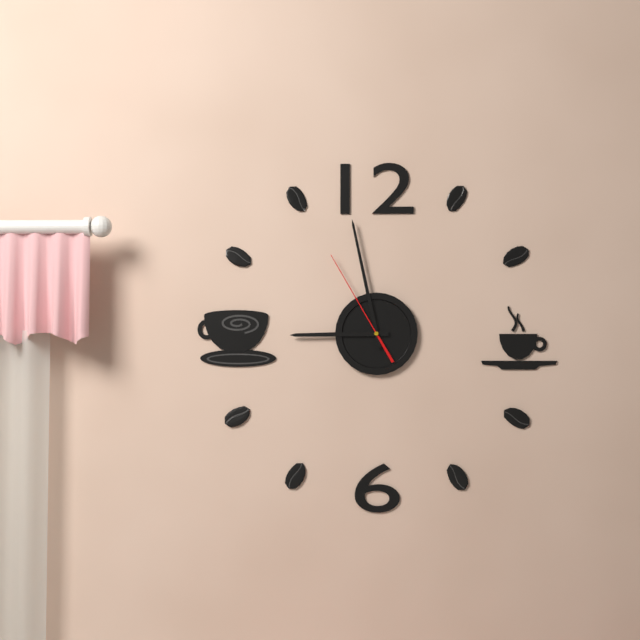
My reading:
8h58m55s
